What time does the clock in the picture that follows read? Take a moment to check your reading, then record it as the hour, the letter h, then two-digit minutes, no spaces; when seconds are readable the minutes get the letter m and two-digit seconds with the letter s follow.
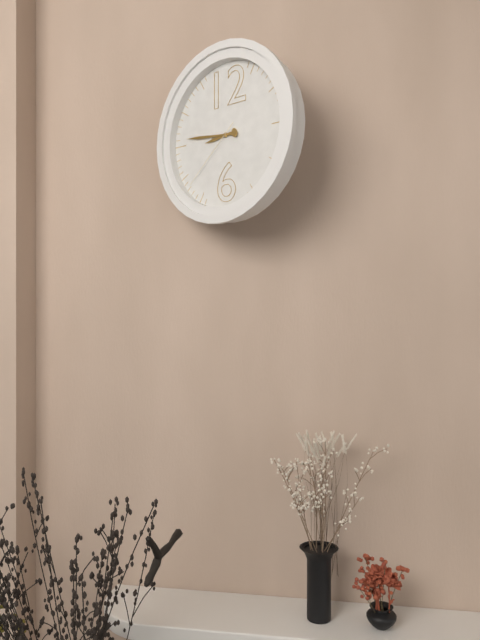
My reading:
8h46m38s
